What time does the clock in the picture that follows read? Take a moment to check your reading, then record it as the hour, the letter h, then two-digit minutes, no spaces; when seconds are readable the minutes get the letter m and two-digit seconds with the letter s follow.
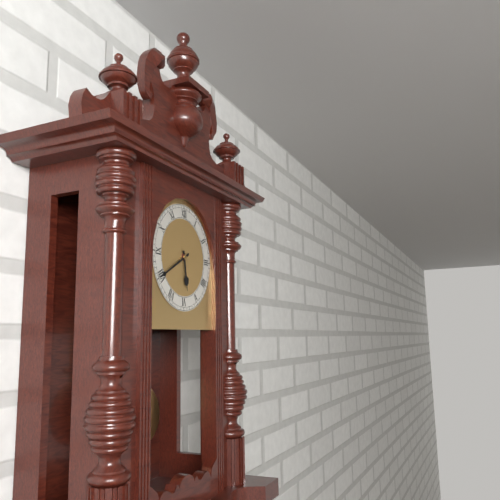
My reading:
5h40
